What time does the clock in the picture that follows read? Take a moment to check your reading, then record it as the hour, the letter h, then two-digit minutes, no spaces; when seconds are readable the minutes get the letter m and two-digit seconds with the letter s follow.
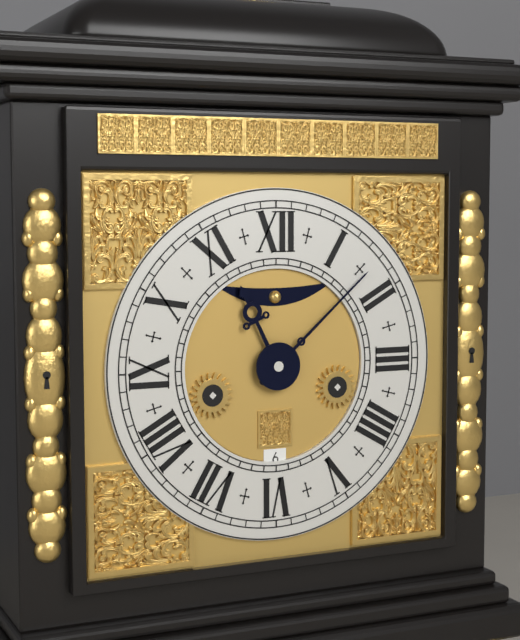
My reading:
11h08
